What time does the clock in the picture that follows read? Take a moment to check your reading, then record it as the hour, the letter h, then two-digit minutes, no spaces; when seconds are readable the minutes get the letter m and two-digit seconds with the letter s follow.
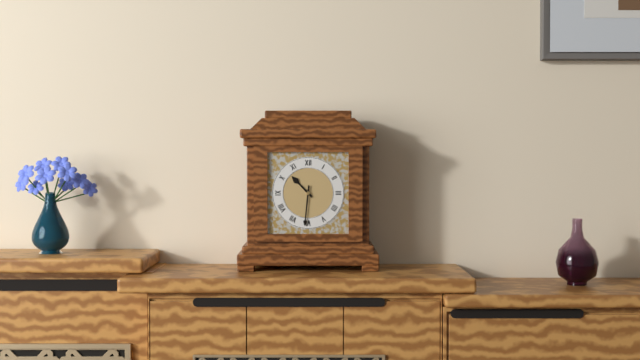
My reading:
10h31
